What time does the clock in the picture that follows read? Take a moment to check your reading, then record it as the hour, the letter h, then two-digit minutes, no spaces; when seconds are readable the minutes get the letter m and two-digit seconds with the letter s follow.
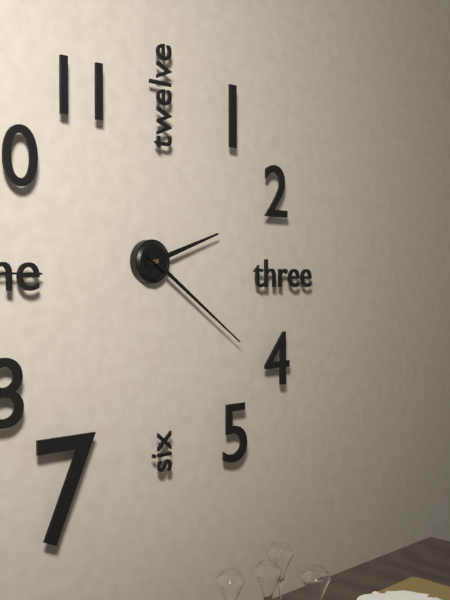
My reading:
2h21
